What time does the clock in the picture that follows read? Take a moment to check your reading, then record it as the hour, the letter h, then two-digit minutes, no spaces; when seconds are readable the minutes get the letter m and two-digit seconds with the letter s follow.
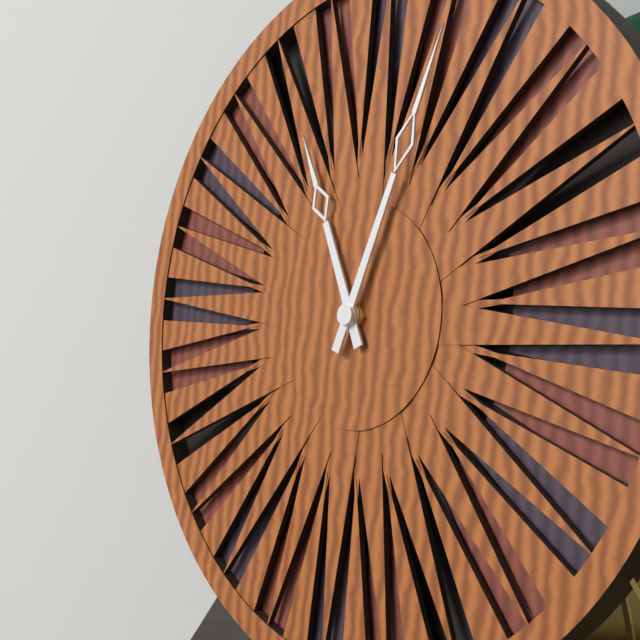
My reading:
11h03
